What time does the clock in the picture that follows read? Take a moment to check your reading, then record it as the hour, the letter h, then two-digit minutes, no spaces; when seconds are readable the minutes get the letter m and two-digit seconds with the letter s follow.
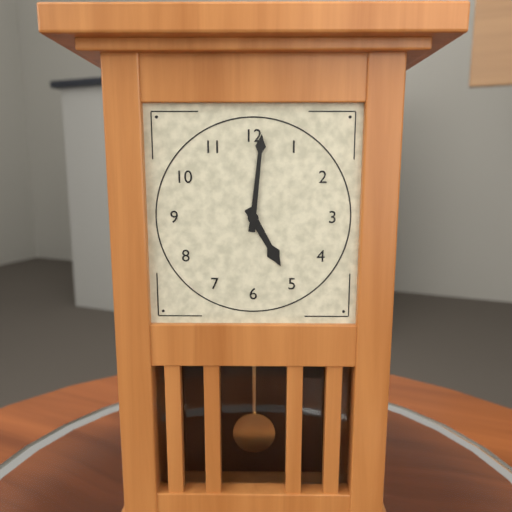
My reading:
5h01
